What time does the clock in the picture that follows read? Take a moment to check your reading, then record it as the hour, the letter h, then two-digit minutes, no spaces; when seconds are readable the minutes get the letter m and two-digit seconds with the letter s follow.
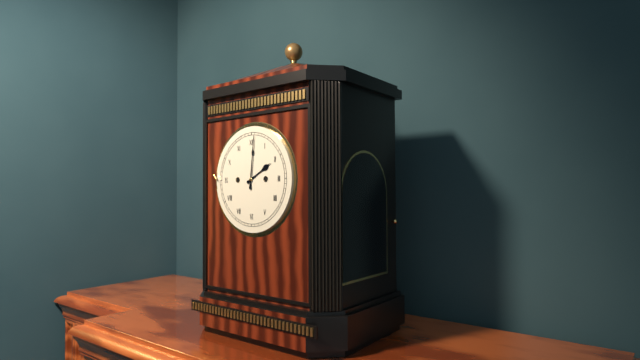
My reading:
2h01
